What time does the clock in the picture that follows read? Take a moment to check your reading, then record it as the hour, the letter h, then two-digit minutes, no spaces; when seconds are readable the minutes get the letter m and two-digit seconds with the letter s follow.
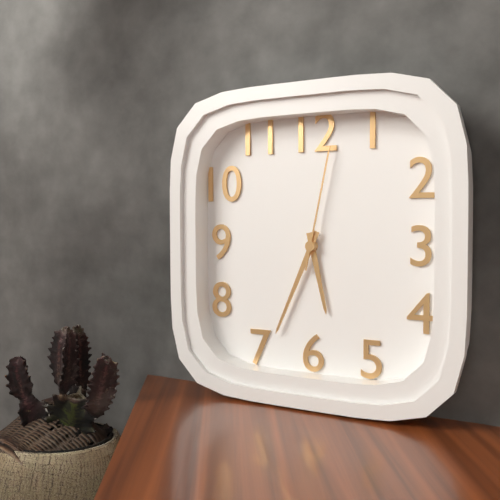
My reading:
5h34m02s
